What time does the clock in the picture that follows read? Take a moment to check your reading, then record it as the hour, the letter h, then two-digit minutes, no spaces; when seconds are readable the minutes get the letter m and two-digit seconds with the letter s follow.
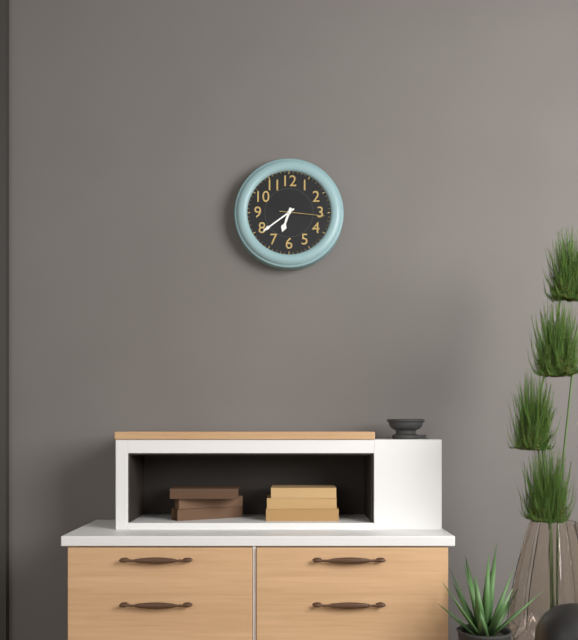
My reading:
6h39
